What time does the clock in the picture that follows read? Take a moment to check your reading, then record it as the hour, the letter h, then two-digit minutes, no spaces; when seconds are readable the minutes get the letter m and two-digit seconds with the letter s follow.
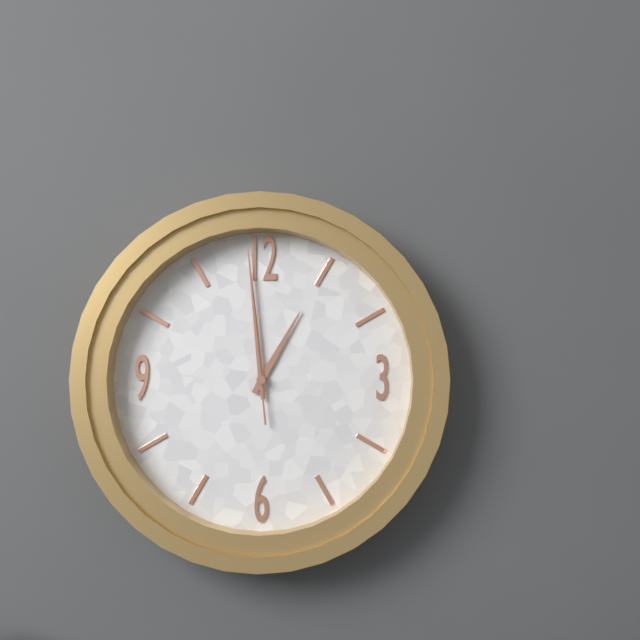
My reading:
12h59m59s
